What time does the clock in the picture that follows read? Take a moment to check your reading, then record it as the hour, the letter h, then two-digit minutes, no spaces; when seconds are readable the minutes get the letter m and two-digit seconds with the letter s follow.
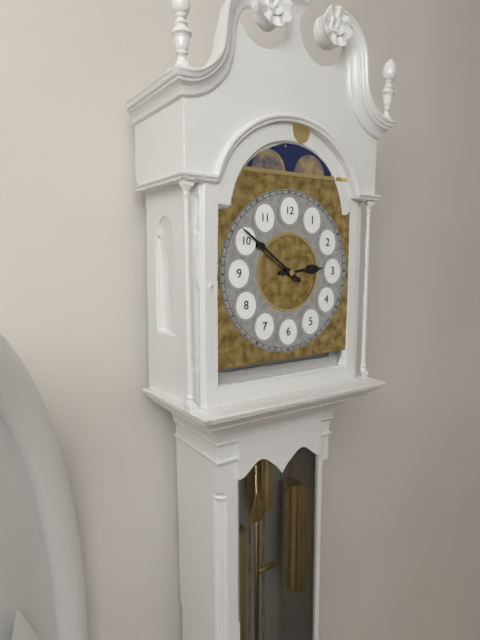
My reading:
2h51
